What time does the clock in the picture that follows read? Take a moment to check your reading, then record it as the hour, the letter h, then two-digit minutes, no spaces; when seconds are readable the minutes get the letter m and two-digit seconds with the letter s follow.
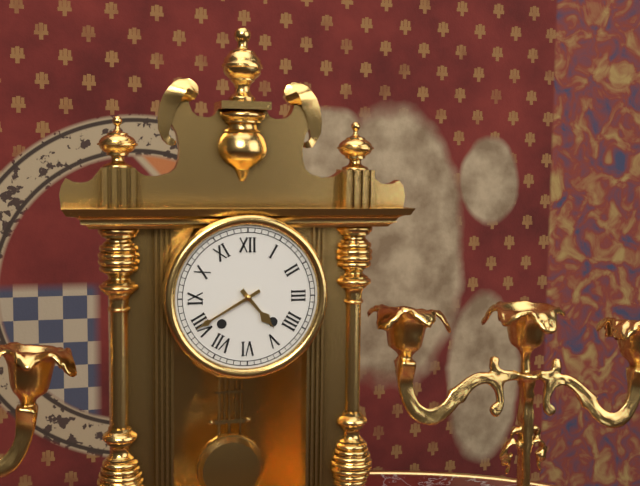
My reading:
4h40
